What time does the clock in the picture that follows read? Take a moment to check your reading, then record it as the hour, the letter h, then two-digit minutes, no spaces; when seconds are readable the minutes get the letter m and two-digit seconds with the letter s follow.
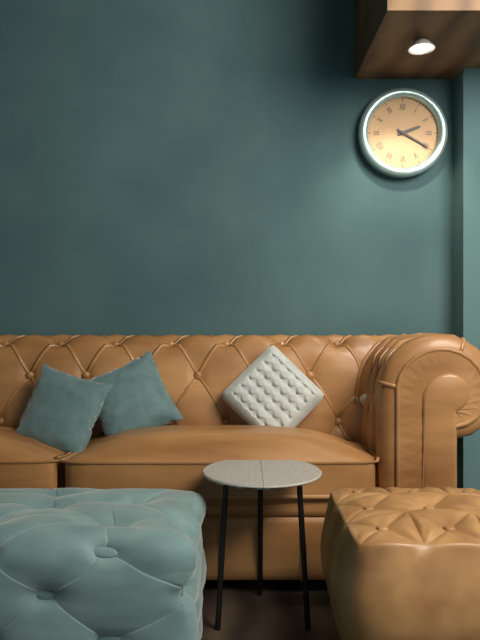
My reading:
2h20
